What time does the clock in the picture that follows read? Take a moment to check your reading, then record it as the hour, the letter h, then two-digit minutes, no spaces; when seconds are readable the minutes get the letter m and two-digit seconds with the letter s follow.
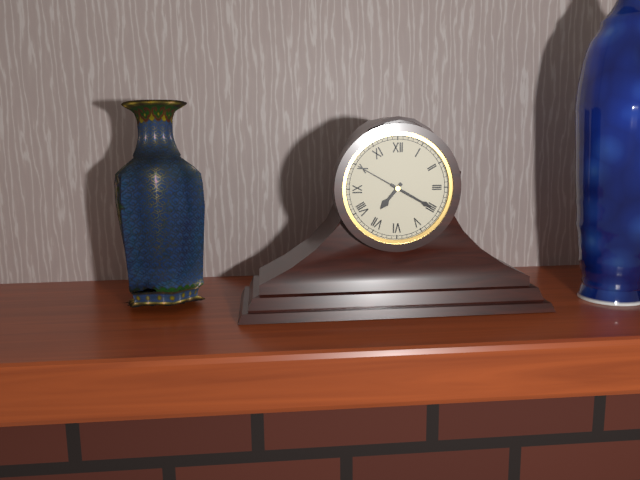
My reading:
7h20m50s
